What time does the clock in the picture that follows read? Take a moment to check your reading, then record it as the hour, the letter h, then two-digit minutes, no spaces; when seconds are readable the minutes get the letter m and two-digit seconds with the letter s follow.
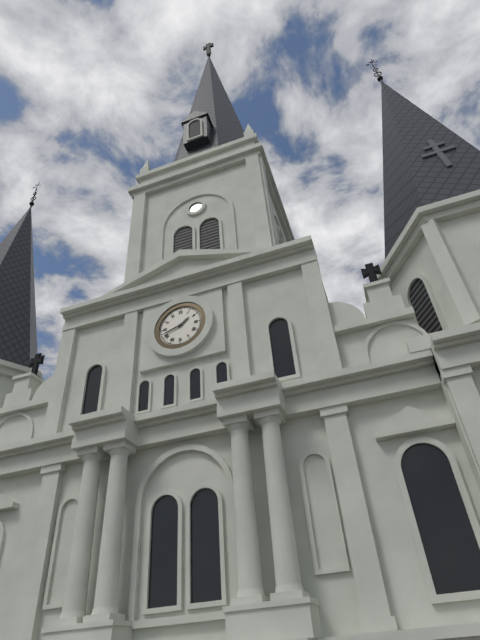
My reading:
1h42
